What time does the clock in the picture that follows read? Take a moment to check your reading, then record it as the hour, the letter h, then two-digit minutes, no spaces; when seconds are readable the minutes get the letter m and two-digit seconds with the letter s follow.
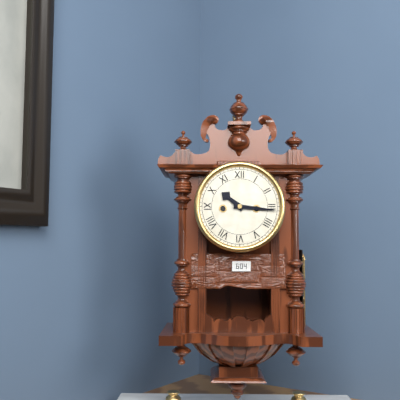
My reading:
10h16
